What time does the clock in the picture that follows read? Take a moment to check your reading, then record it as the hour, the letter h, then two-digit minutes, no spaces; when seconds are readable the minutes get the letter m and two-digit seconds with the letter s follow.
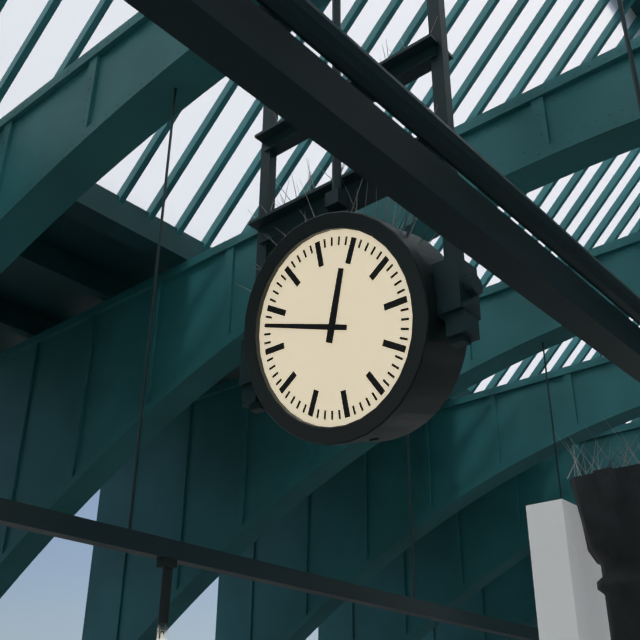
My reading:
12h48
